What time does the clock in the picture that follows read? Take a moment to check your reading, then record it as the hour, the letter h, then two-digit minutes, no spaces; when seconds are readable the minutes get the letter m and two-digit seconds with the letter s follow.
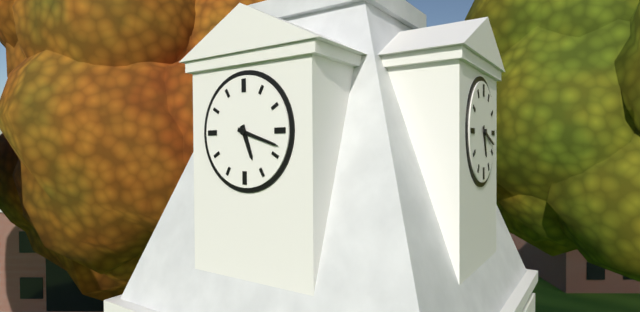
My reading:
5h18
